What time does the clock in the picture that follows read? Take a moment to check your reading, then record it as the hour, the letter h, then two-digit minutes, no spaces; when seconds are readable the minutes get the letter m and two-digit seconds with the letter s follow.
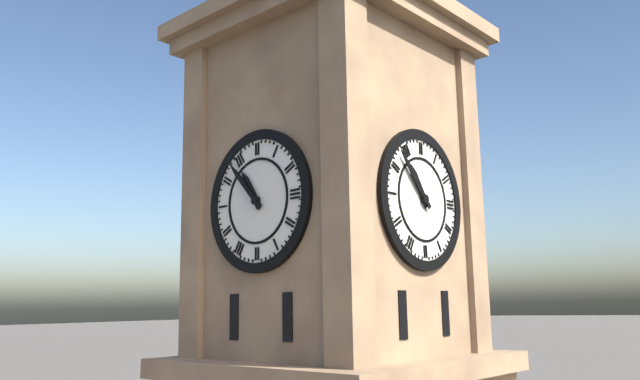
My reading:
10h53
